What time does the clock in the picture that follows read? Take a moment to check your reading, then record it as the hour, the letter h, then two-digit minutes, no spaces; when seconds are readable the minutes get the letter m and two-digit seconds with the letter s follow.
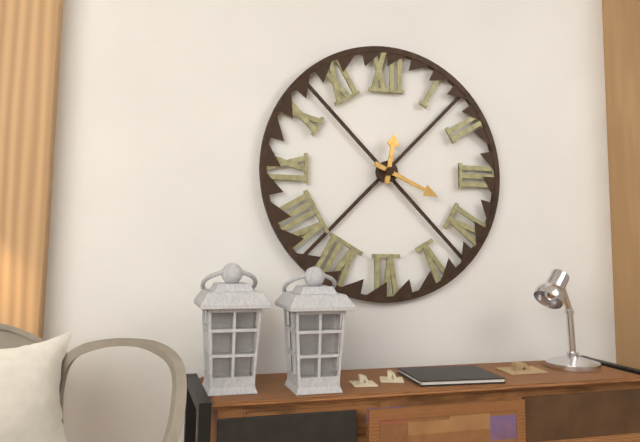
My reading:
12h19
